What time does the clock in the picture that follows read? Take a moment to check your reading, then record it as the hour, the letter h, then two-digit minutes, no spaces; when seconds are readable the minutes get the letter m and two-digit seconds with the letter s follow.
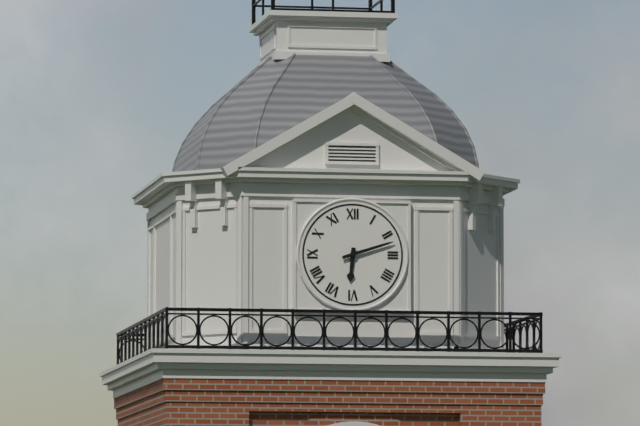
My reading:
6h12
